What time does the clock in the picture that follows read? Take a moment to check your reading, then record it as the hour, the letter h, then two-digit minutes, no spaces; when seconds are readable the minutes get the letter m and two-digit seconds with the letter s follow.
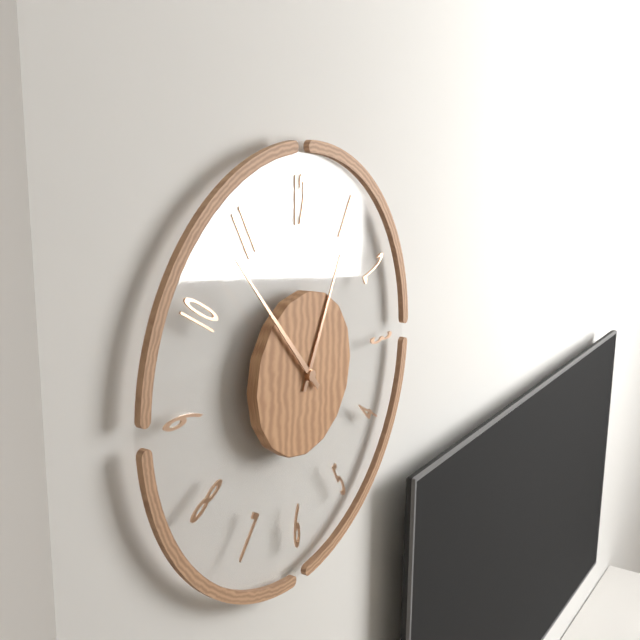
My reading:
12h53
